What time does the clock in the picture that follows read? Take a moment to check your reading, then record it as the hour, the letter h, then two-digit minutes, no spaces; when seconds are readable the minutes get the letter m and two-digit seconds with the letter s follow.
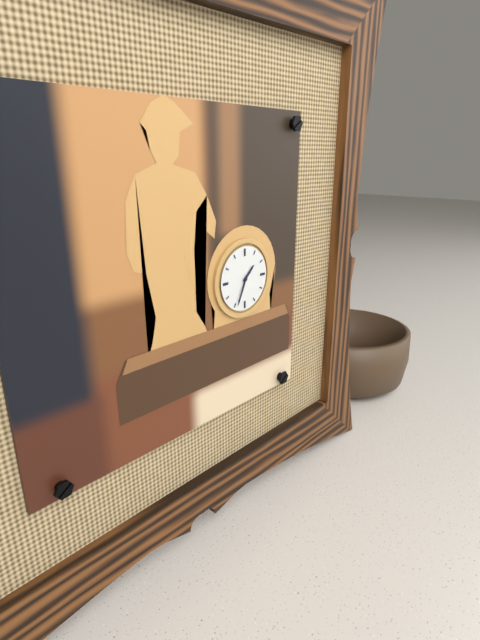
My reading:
1h34
